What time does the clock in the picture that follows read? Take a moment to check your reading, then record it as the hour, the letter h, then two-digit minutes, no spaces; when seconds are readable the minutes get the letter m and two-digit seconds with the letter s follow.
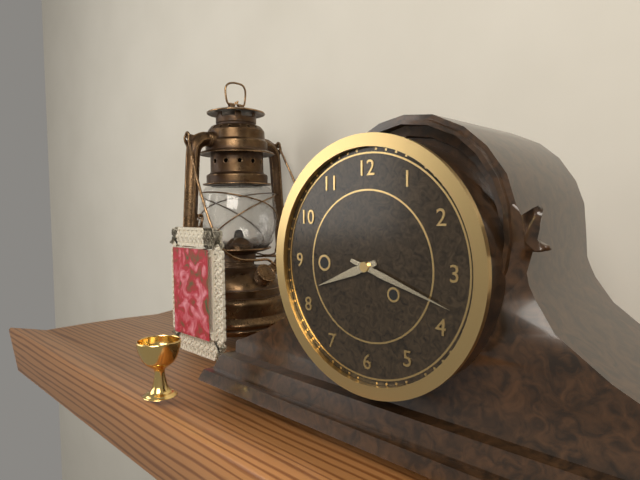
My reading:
8h18
